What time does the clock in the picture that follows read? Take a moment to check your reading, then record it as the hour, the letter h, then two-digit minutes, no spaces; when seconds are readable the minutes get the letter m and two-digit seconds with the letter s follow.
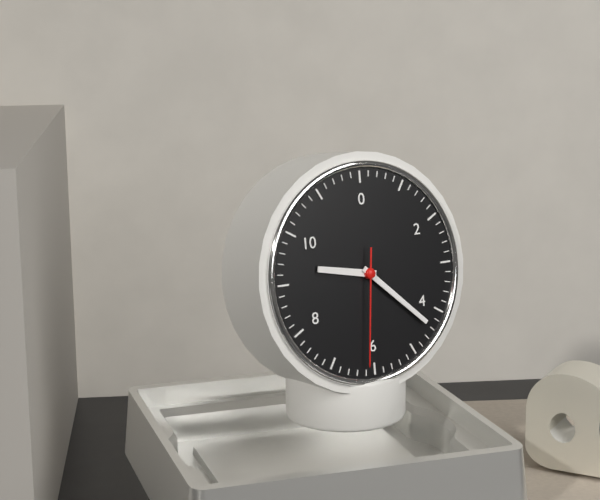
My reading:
9h22m31s
